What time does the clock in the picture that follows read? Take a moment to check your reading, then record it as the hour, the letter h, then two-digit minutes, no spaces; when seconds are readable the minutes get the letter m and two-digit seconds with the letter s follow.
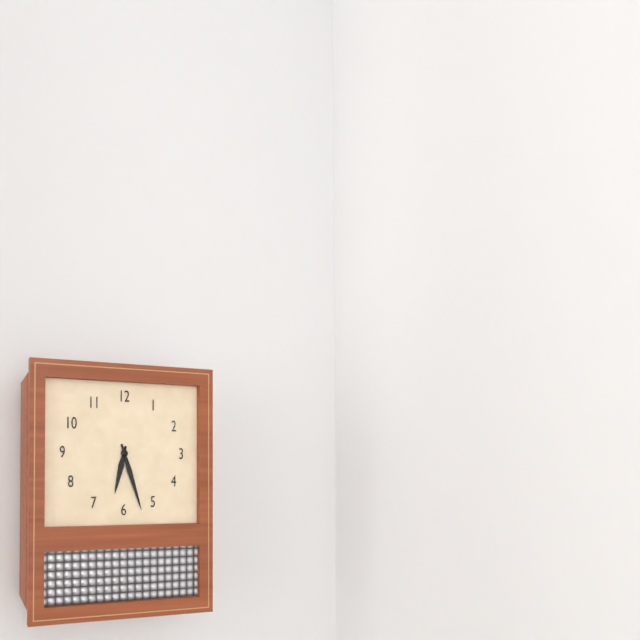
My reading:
6h27
